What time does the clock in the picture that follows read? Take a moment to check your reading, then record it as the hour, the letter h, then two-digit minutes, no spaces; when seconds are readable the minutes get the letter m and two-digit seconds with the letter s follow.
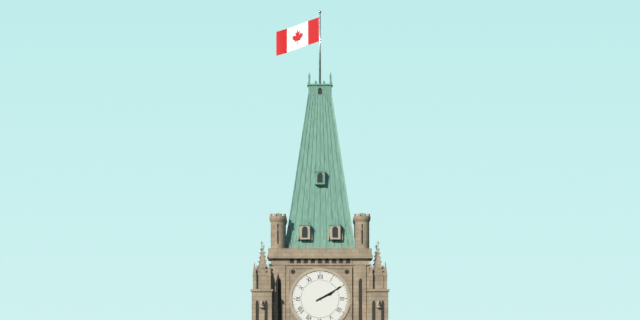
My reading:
2h10
